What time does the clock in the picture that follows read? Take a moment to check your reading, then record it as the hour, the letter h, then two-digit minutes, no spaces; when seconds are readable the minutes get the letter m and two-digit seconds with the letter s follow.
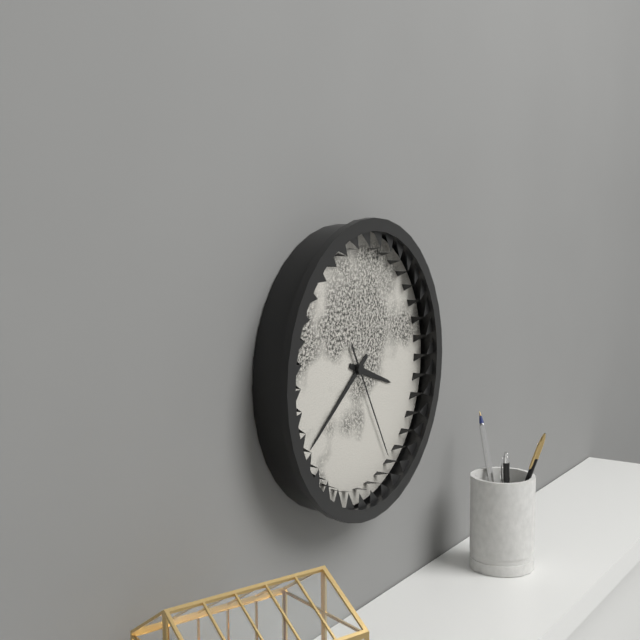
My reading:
3h39m25s
